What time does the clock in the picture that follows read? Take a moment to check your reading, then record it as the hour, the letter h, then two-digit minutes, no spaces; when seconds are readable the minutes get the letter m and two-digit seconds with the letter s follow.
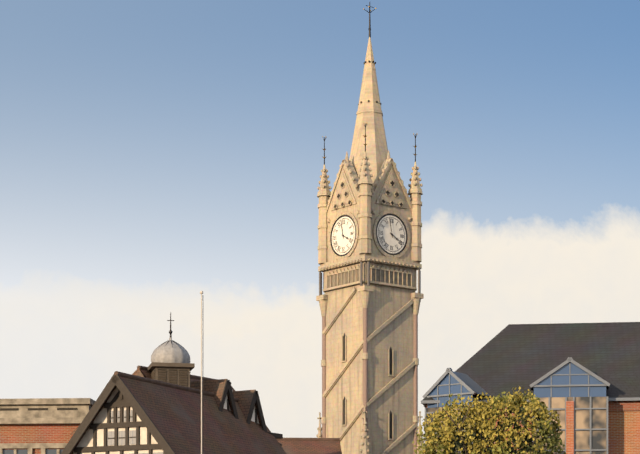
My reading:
3h58
